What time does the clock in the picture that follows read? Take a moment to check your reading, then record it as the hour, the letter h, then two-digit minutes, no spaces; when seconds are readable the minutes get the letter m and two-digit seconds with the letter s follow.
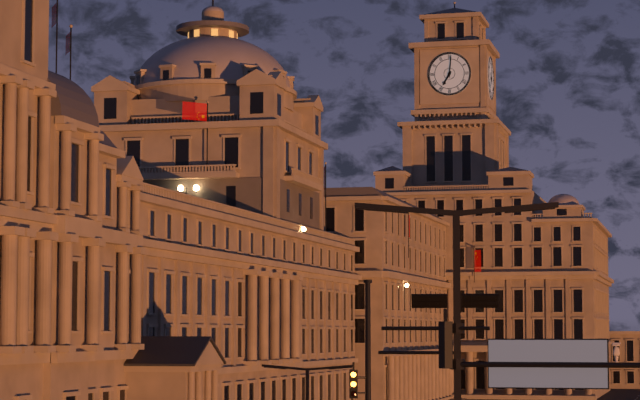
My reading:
7h01
